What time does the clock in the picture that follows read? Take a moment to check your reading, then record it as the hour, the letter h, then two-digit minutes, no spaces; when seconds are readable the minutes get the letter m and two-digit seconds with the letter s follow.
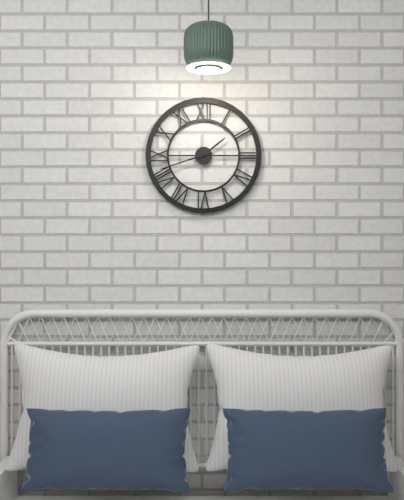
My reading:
1h42
